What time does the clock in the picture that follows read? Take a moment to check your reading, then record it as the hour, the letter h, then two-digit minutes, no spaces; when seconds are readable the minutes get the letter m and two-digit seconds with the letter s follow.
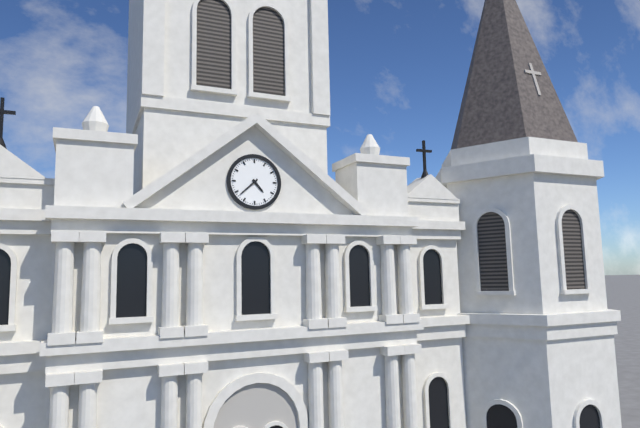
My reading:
4h38
